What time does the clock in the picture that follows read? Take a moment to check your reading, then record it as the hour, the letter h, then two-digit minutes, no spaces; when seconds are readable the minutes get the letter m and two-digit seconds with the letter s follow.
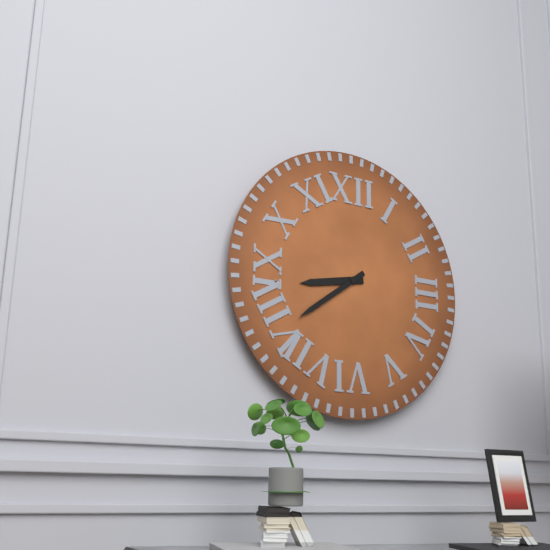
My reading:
8h39
